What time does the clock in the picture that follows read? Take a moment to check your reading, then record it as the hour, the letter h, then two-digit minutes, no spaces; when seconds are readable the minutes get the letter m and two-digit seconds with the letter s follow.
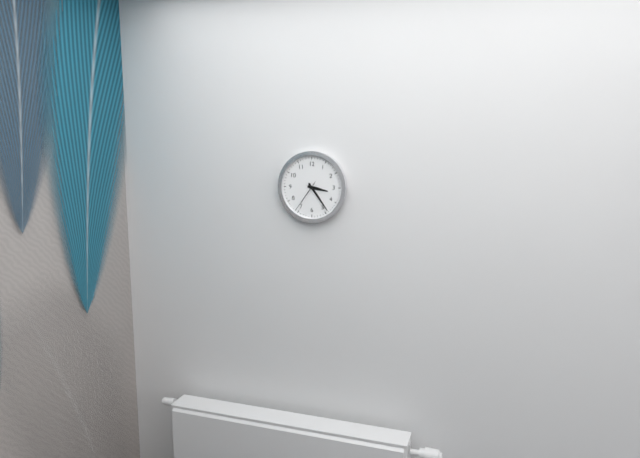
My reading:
3h24
